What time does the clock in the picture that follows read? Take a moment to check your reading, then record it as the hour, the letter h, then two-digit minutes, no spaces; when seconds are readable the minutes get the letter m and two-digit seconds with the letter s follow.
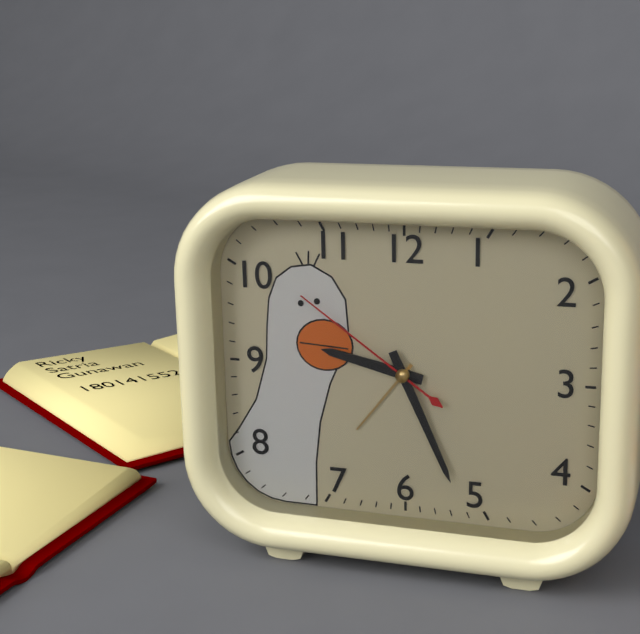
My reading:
9h26m51s
